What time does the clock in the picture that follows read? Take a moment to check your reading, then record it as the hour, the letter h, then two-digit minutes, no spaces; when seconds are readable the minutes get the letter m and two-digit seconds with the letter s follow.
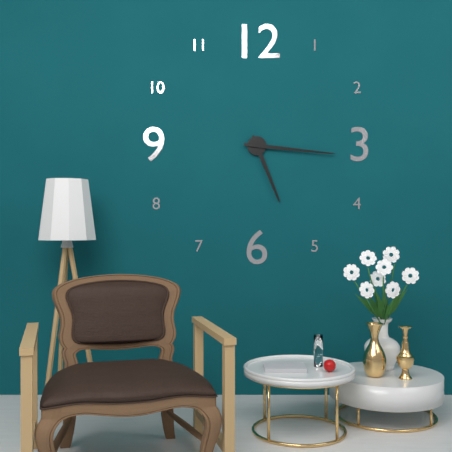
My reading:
5h16
